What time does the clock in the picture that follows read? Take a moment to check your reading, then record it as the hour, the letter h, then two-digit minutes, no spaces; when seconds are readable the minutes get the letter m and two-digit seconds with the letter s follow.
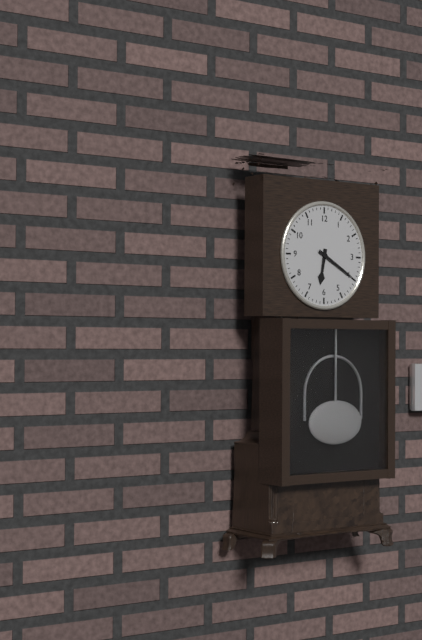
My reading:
6h20
